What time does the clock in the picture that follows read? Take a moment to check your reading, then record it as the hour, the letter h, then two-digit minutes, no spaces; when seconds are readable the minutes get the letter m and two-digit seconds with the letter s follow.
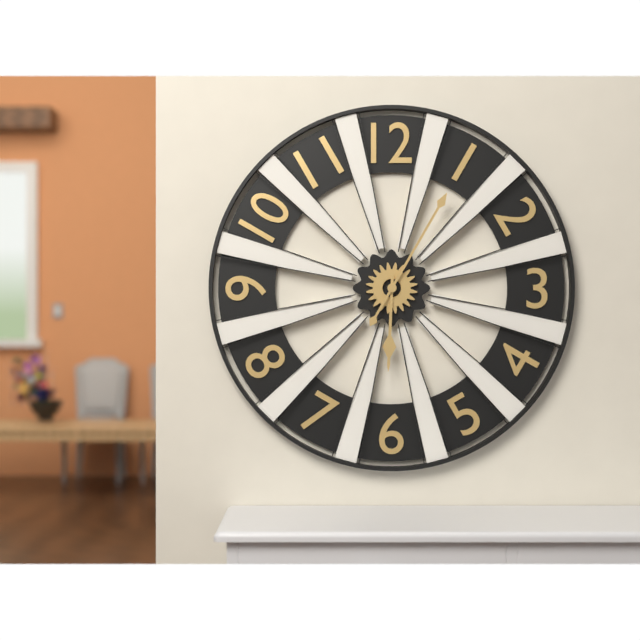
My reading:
6h05
